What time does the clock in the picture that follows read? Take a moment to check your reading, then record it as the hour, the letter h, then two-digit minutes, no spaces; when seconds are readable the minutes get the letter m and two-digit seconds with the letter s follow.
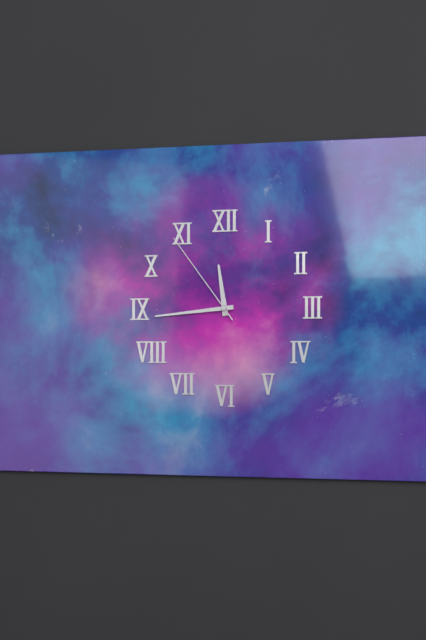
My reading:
11h44m54s
